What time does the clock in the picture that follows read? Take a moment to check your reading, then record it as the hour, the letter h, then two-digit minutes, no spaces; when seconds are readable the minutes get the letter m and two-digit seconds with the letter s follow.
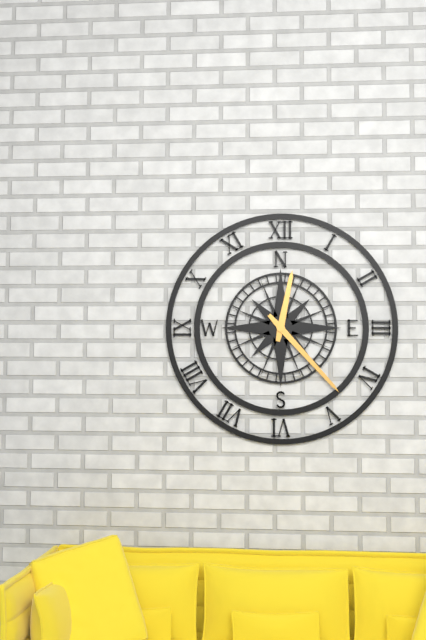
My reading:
12h23
